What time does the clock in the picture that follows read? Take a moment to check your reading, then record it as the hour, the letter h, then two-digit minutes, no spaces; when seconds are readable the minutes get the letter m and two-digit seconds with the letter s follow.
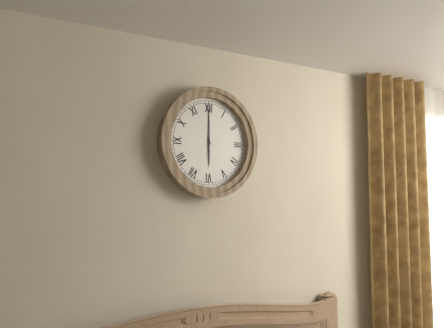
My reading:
6h00
